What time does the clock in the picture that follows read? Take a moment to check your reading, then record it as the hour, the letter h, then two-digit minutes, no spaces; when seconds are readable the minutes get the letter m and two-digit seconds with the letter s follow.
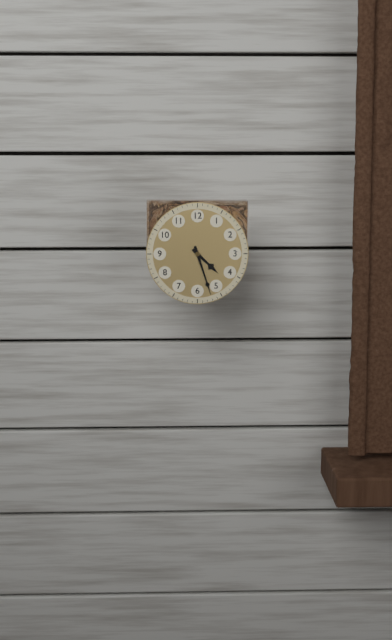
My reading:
4h27
